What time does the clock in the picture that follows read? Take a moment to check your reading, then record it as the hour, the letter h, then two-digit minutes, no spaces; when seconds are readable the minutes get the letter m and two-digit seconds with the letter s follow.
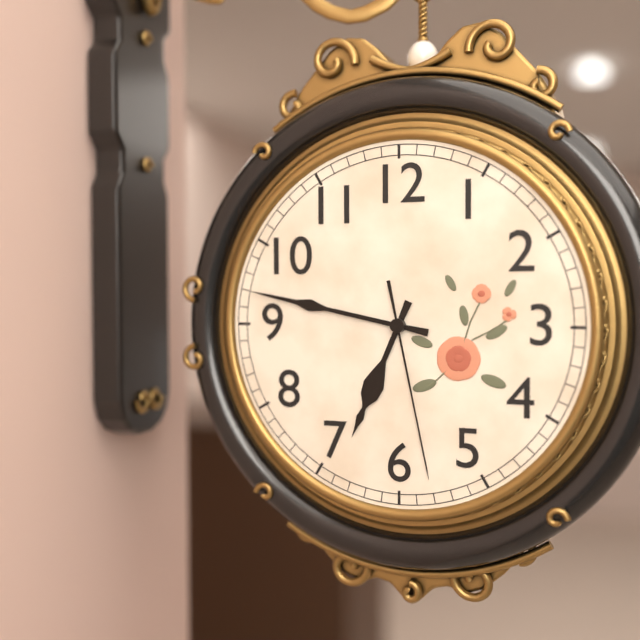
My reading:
6h47m28s
